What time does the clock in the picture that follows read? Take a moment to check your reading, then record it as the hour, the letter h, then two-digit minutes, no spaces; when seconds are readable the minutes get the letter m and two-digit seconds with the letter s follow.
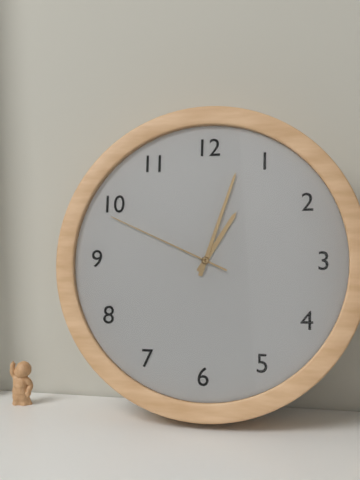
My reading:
1h03m49s
